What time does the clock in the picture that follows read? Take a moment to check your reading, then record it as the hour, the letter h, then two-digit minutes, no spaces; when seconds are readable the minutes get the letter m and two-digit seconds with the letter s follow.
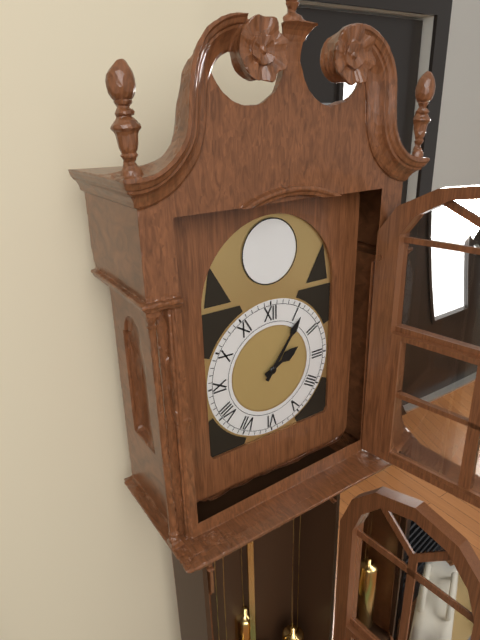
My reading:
2h06
